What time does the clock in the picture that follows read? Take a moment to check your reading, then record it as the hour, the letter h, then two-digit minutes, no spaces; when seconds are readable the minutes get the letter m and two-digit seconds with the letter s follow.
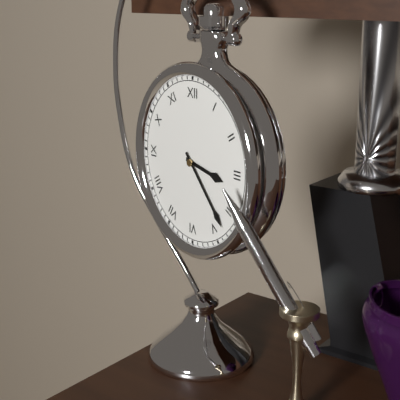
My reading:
3h23
